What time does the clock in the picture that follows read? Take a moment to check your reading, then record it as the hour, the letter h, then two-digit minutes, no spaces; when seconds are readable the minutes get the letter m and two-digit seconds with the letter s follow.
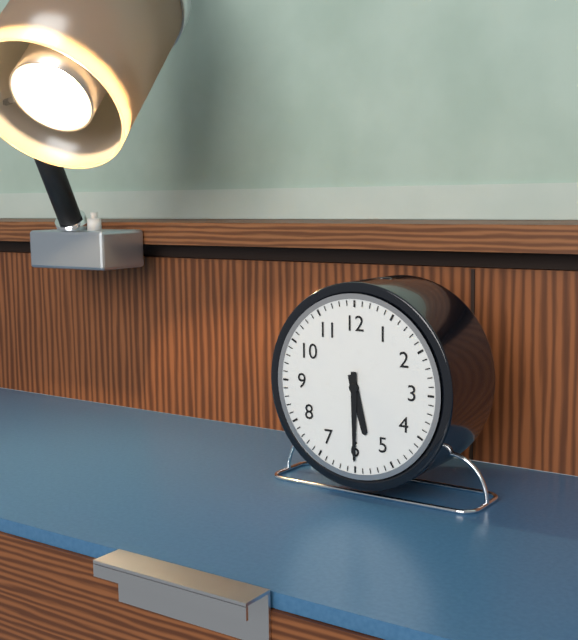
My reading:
5h30
